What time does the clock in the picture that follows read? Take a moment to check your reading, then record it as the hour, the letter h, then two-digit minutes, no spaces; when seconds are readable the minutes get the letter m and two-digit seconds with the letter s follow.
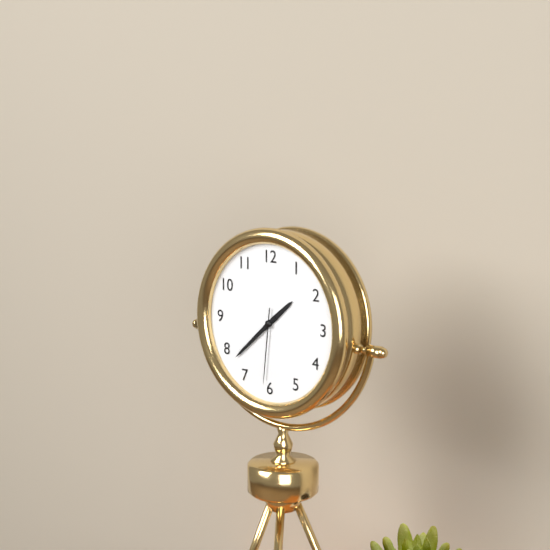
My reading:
1h38m31s
